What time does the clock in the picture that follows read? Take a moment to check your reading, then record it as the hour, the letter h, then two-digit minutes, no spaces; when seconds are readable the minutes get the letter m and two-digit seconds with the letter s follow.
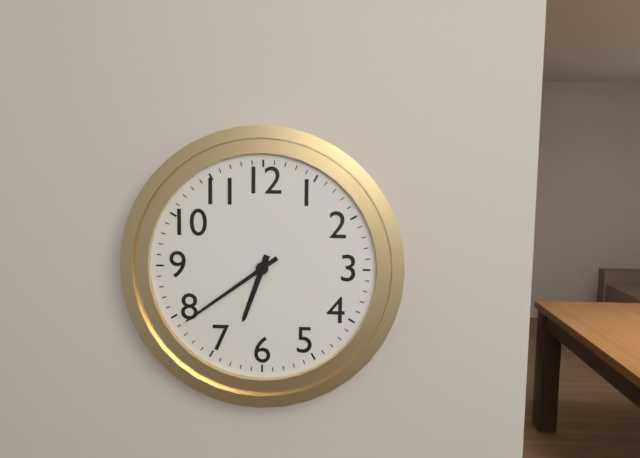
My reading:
6h39
